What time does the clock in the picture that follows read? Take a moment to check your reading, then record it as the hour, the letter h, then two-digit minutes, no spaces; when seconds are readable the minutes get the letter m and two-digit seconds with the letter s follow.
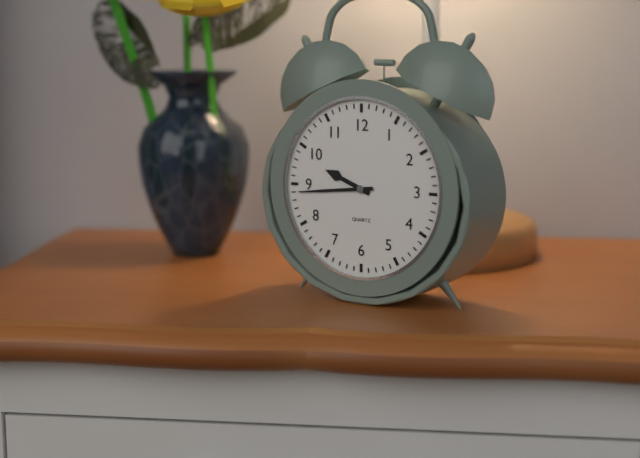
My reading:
9h44
